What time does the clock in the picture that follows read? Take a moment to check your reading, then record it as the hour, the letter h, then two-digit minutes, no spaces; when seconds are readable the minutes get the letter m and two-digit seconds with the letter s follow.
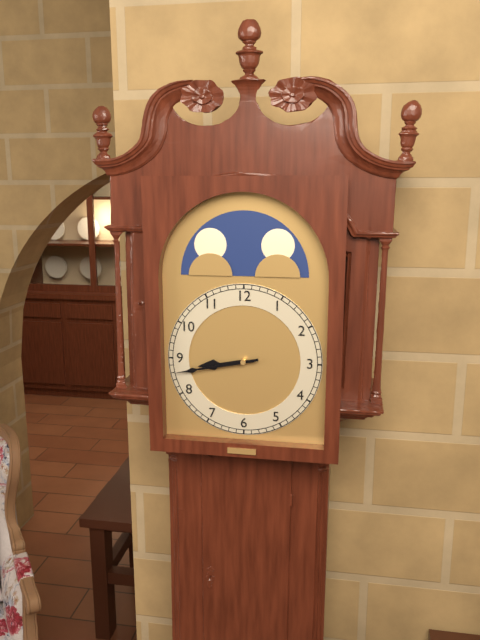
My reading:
8h43
